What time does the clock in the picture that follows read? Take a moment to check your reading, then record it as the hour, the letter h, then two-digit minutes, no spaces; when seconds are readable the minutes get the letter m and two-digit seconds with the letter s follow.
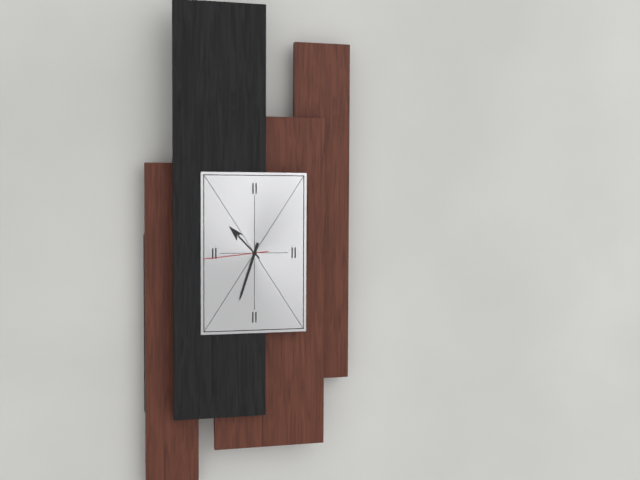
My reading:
10h33m44s
